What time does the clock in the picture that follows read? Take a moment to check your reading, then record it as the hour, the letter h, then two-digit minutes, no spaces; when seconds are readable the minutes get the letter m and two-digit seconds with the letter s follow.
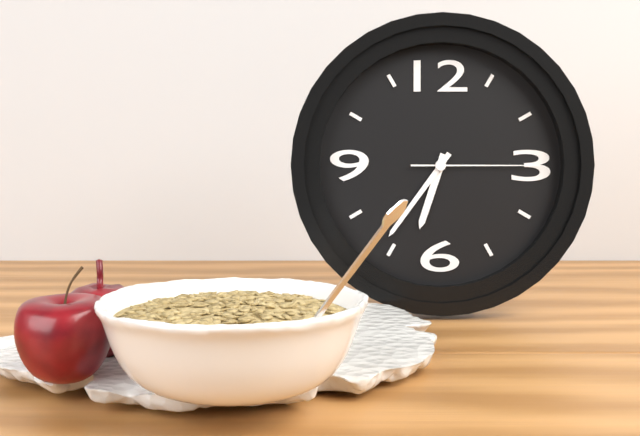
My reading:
6h36m15s
